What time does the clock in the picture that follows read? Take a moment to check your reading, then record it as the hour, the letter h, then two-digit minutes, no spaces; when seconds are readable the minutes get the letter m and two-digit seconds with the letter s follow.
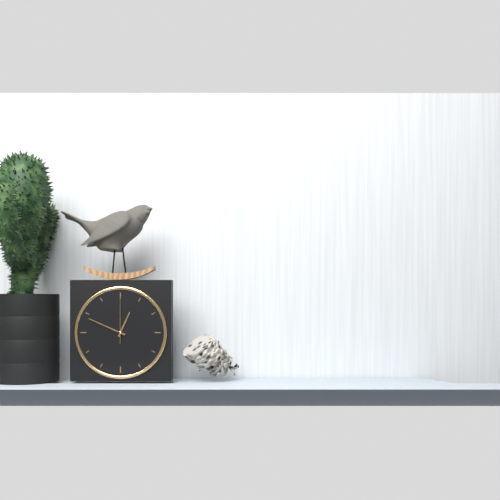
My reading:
12h49
